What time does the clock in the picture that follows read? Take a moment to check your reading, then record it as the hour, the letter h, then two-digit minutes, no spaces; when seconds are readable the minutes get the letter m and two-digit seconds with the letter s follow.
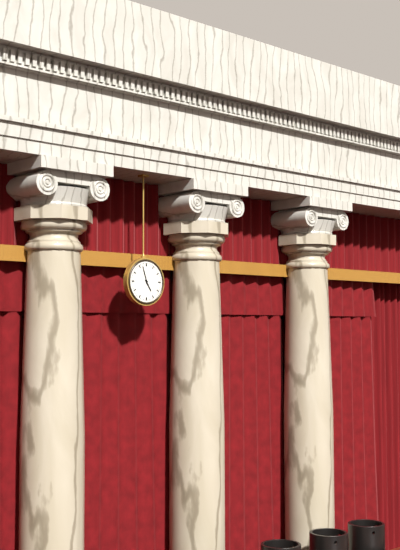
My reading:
4h57
